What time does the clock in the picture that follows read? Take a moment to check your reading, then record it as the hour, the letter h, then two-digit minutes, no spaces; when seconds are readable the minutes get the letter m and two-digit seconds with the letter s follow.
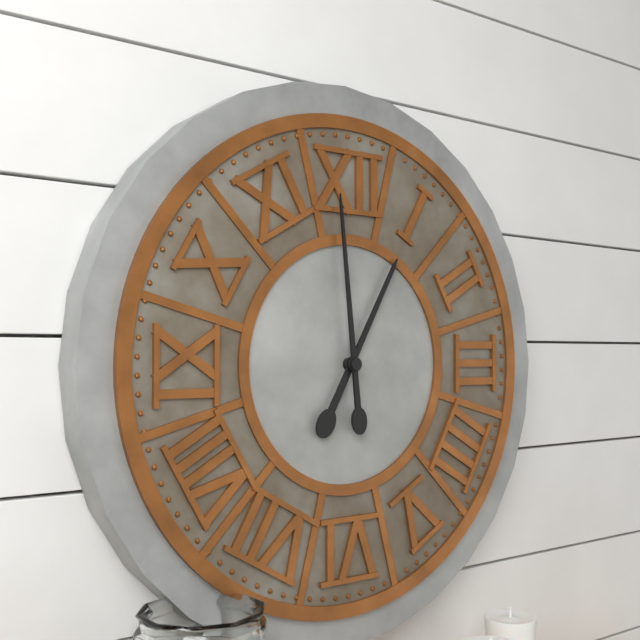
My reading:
12h59
